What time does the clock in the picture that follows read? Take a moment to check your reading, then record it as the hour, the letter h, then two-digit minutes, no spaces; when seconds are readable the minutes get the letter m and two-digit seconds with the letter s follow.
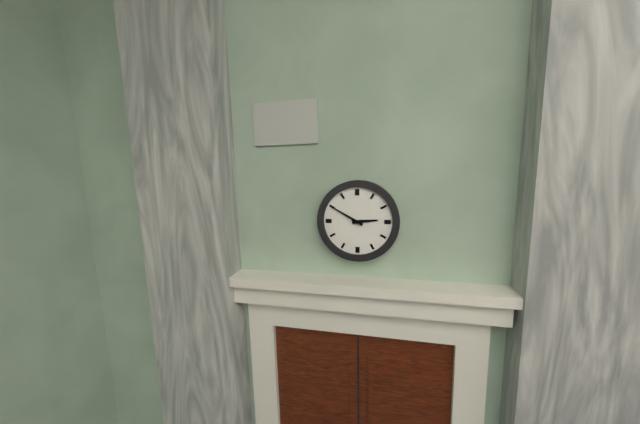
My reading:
2h50
